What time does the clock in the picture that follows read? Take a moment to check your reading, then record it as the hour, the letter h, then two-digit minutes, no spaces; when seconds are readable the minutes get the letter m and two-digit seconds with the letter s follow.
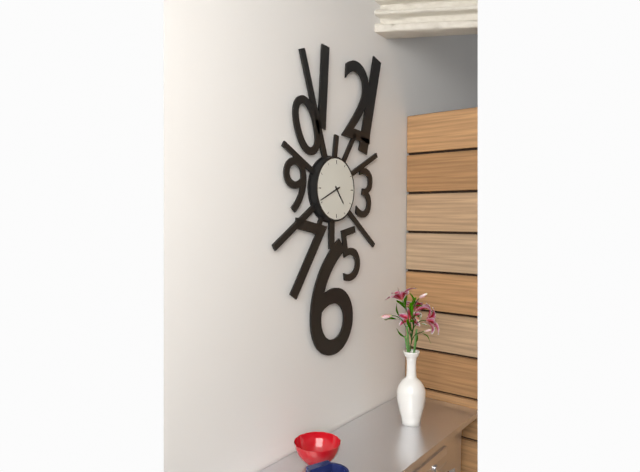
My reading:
4h41
